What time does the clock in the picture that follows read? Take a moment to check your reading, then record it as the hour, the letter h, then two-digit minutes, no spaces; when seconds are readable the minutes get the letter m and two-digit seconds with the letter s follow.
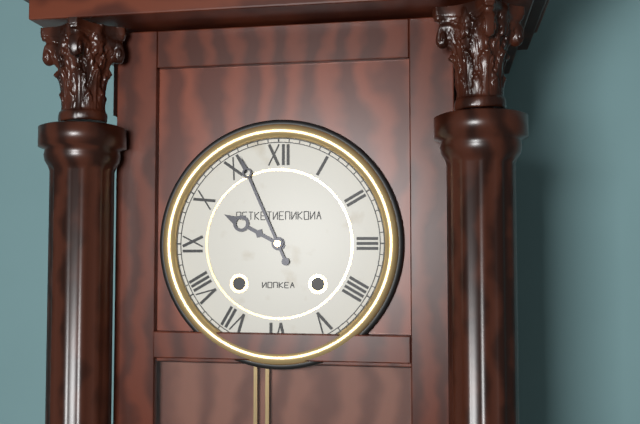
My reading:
9h56
